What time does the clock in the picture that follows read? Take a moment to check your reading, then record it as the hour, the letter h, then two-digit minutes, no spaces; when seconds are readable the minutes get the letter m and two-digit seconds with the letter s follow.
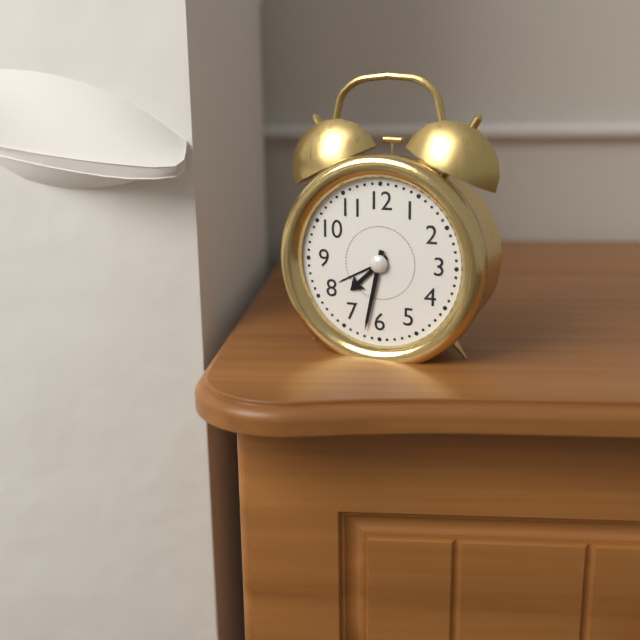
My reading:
7h32
